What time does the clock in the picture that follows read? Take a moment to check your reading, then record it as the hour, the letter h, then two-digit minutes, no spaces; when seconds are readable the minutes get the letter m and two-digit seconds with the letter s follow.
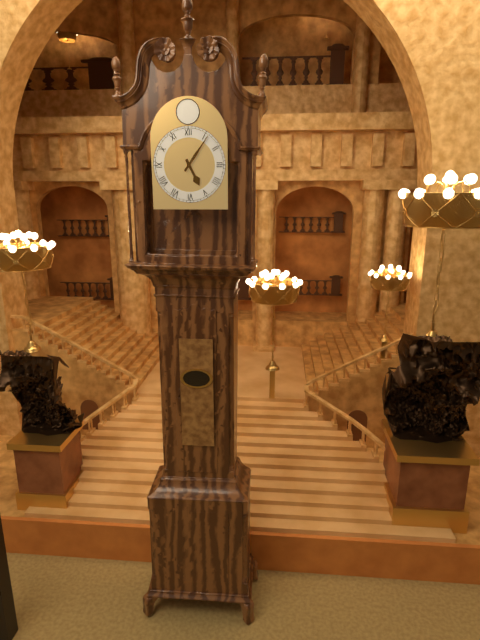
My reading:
5h06
